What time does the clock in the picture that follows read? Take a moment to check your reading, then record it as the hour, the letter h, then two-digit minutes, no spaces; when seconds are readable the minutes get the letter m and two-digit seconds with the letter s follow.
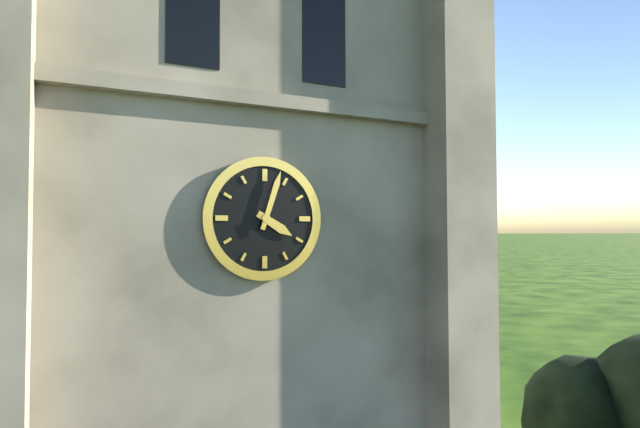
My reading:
4h03
